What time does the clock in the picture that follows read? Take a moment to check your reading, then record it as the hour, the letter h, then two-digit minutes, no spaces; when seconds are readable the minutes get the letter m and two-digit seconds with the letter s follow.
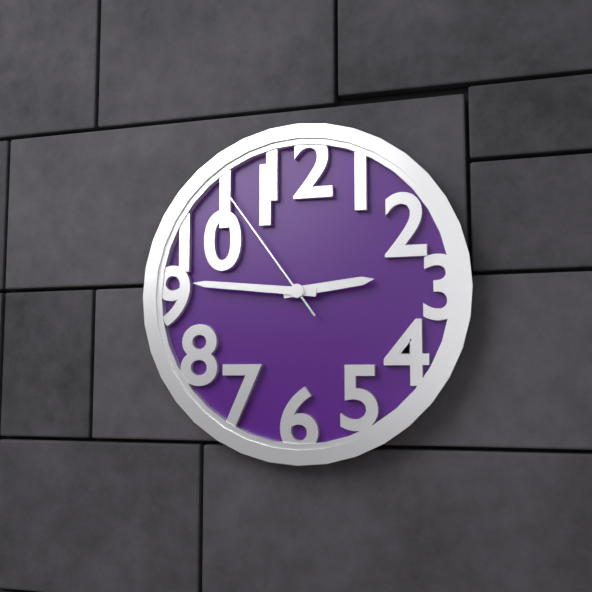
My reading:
2h46m54s
